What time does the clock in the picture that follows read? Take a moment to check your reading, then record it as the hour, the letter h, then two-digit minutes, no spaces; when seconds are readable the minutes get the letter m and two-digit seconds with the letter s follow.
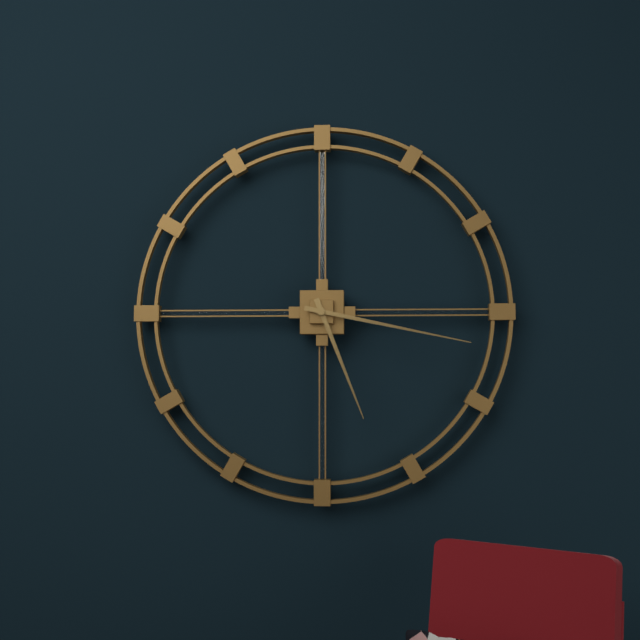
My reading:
5h17
